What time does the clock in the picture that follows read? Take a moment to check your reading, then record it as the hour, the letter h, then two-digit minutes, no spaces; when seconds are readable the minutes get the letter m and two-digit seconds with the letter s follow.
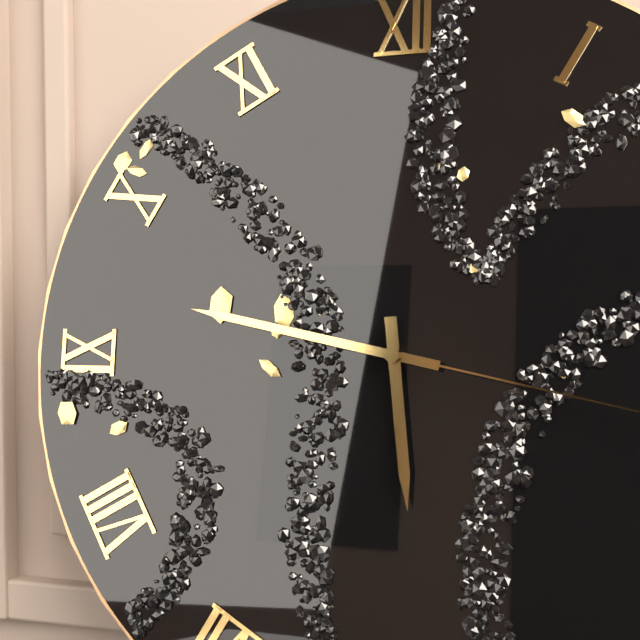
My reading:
5h47
